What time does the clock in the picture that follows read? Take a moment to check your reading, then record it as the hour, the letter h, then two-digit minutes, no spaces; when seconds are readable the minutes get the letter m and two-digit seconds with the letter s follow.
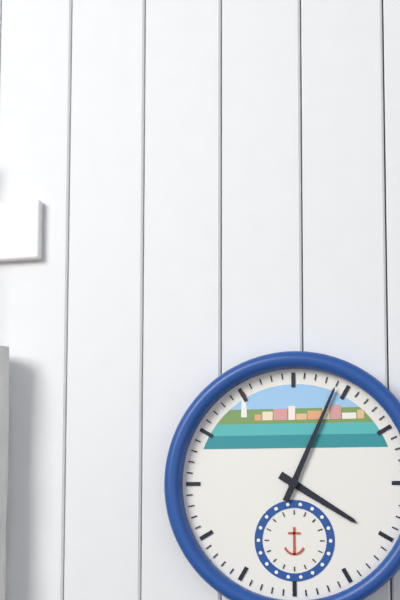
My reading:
4h04
